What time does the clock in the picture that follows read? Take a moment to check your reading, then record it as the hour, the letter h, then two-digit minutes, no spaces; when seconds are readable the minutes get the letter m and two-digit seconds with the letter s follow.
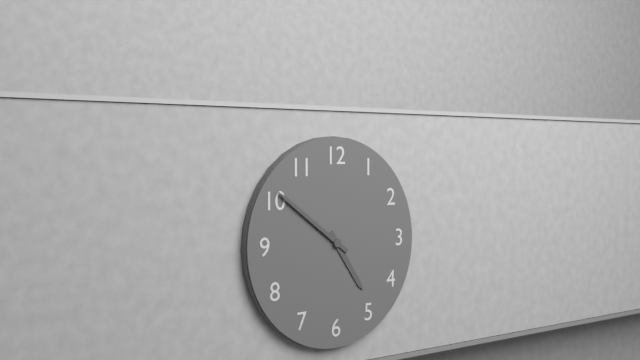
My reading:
4h51
